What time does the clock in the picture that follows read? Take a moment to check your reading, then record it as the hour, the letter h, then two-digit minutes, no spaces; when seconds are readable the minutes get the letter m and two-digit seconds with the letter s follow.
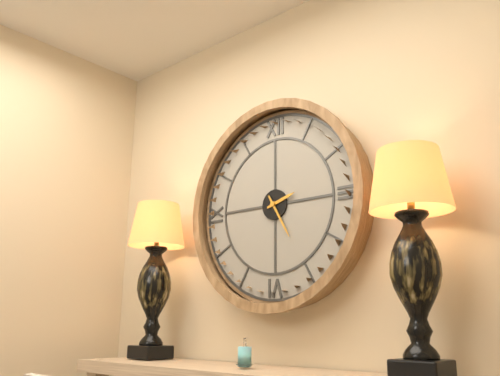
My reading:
2h25
